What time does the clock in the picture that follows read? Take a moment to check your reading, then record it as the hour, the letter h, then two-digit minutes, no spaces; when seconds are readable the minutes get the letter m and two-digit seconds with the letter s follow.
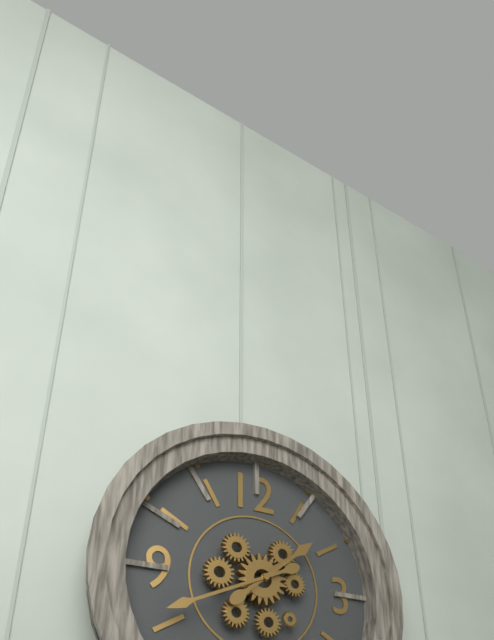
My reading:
1h41
